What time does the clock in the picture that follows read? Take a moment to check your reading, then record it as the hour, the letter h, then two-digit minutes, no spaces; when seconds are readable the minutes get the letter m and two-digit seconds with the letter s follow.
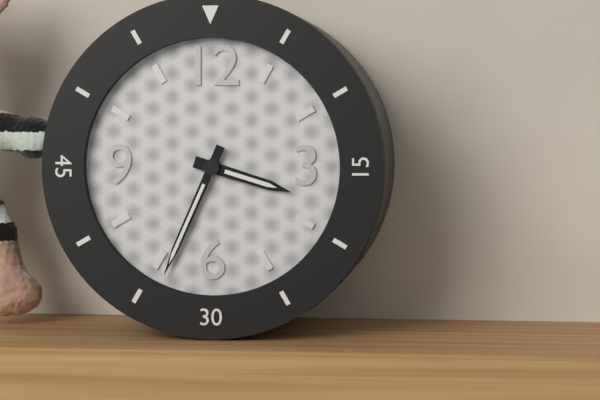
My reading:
3h34
